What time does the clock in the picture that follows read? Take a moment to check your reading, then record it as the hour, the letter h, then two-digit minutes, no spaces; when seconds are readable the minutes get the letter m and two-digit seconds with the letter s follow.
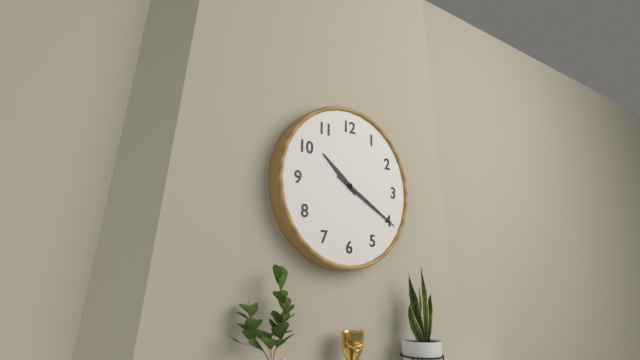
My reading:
10h20
